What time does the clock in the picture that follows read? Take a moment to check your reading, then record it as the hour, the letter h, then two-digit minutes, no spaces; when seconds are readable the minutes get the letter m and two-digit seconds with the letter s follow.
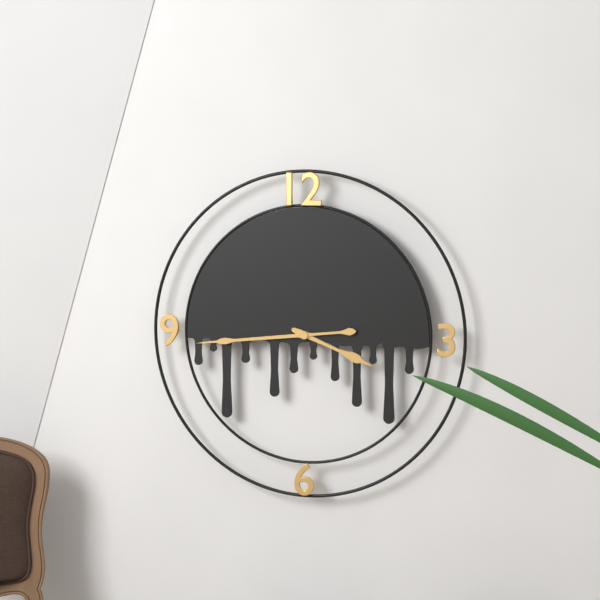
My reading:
3h44
